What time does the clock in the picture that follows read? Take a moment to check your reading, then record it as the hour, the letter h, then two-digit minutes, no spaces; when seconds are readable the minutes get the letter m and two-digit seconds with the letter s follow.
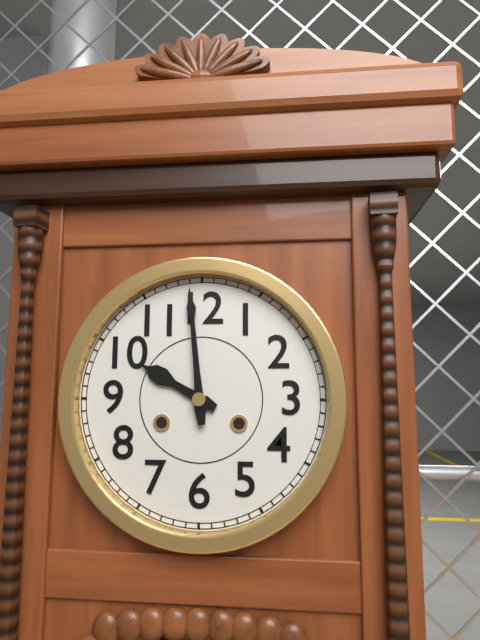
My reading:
9h59
